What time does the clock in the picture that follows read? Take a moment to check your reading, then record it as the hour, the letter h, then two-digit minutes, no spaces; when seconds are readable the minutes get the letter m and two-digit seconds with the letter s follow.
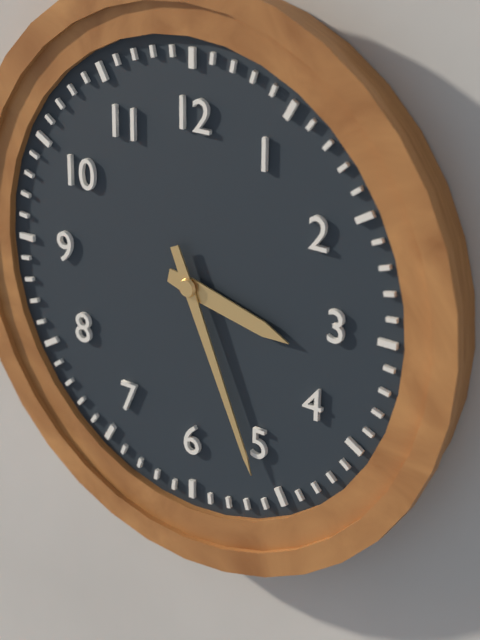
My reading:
3h26
